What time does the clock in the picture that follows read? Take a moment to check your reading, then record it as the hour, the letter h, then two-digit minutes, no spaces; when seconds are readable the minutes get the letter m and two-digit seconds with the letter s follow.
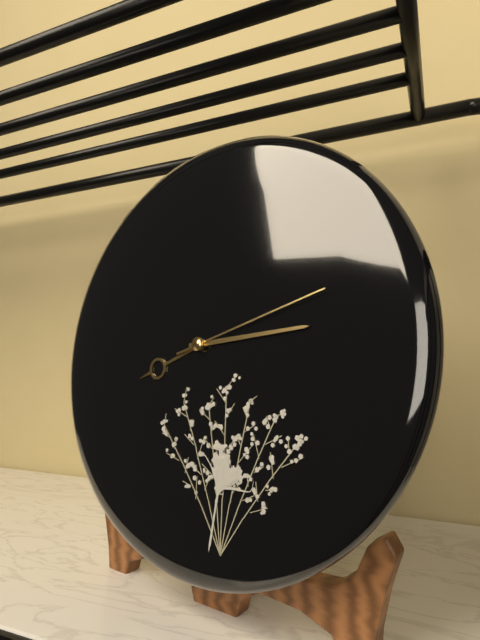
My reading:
8h14m12s
